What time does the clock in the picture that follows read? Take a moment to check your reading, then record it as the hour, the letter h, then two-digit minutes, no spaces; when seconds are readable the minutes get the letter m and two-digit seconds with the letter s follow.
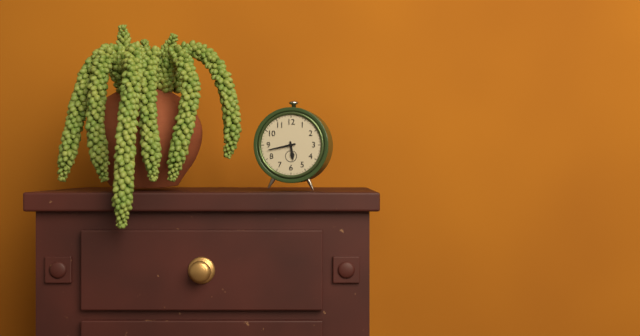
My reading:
5h43
